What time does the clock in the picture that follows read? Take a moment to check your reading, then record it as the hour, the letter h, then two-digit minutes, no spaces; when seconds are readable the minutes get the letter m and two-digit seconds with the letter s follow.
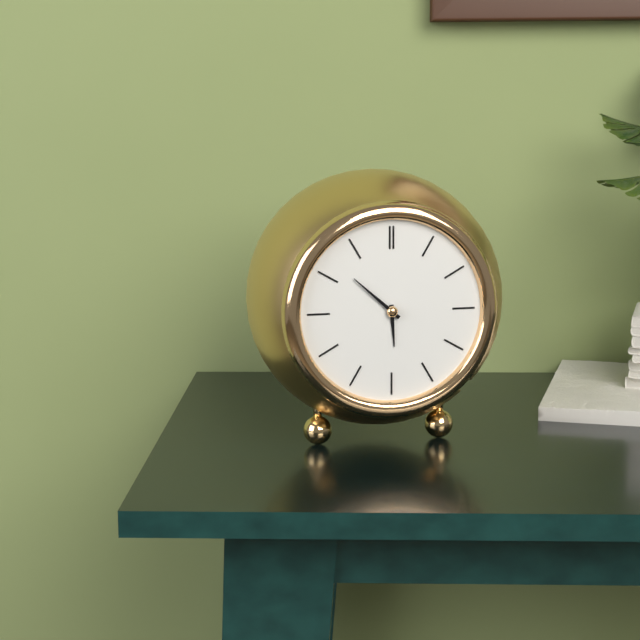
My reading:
5h52
